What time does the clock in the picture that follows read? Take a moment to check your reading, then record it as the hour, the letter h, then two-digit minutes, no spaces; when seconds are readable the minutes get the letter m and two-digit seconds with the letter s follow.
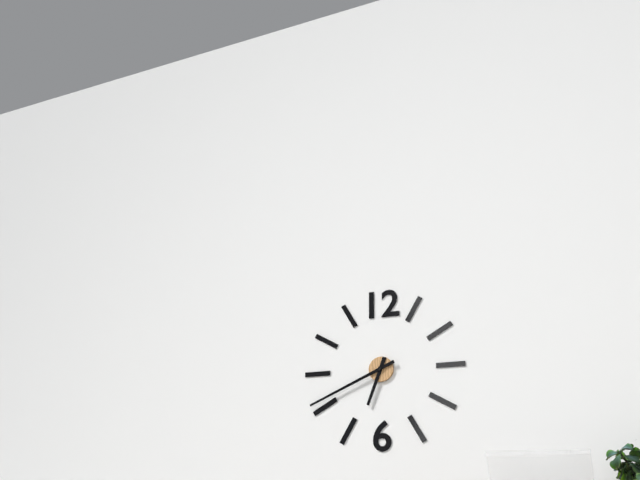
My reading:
6h41
